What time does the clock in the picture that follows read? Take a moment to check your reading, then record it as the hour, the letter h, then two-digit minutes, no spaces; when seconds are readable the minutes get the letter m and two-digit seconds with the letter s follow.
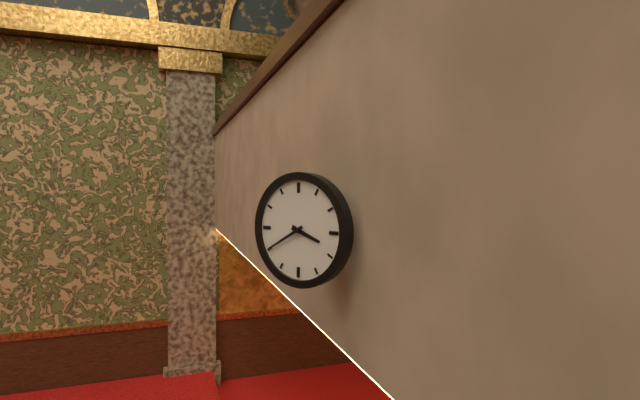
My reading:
3h40
